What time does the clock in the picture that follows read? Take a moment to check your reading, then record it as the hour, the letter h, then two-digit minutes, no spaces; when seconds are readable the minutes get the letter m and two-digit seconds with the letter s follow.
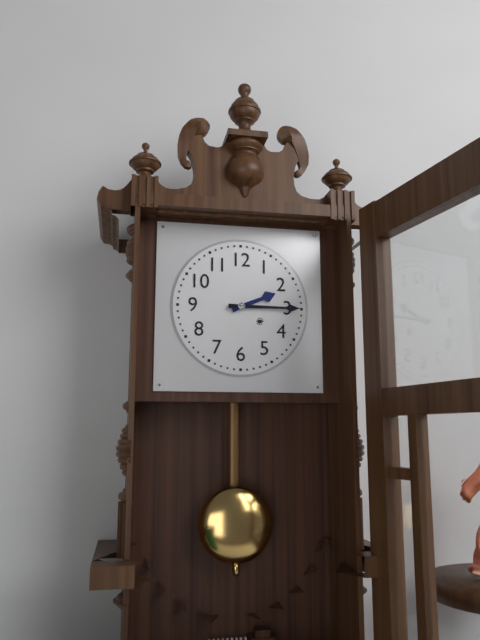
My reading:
2h15
